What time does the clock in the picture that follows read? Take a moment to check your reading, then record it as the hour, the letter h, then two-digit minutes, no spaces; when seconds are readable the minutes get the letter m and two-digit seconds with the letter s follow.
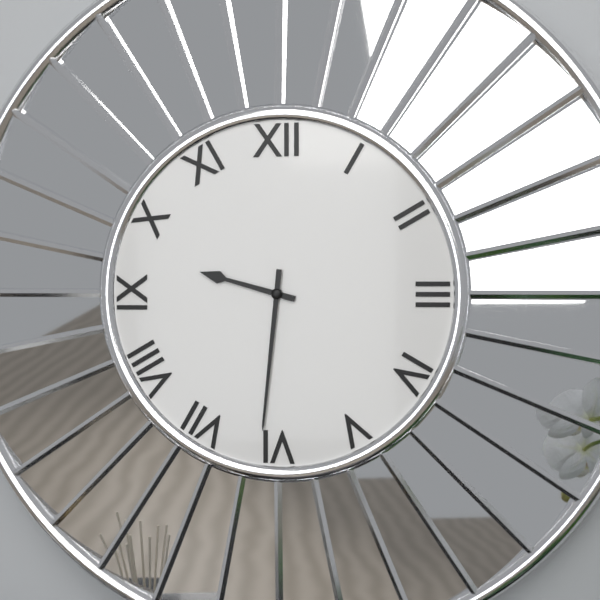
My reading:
9h31
